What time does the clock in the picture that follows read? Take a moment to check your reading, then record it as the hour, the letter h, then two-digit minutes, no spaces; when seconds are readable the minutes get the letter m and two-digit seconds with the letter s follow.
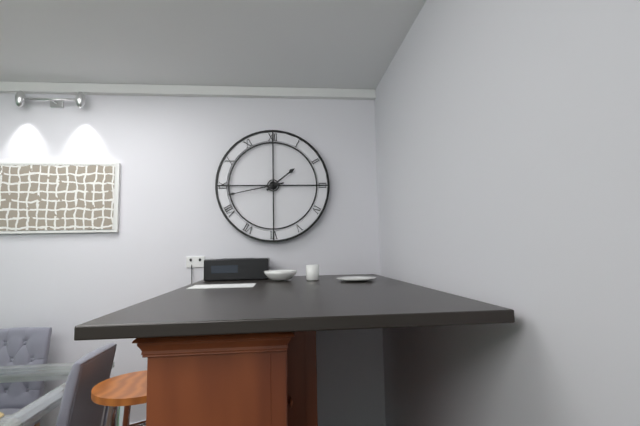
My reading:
1h43
